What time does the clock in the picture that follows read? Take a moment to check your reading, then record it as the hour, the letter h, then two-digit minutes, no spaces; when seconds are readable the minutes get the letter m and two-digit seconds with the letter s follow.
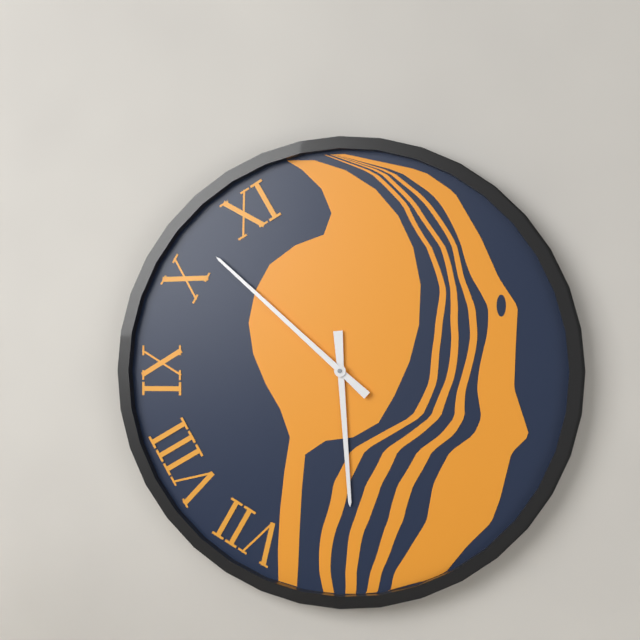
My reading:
5h52
